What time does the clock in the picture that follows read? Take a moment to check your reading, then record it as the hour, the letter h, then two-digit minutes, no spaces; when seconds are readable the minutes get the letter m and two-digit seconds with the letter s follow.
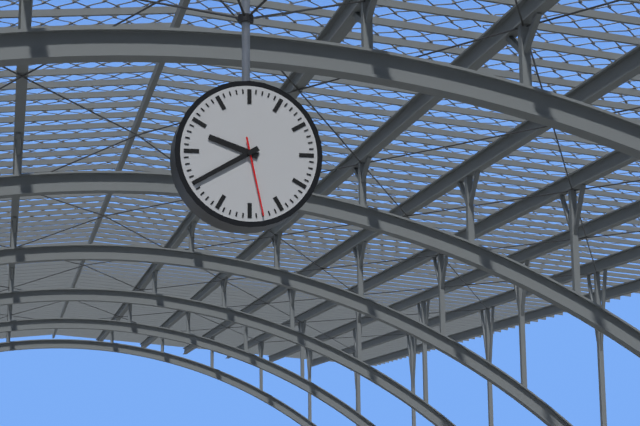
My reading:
9h40m28s
